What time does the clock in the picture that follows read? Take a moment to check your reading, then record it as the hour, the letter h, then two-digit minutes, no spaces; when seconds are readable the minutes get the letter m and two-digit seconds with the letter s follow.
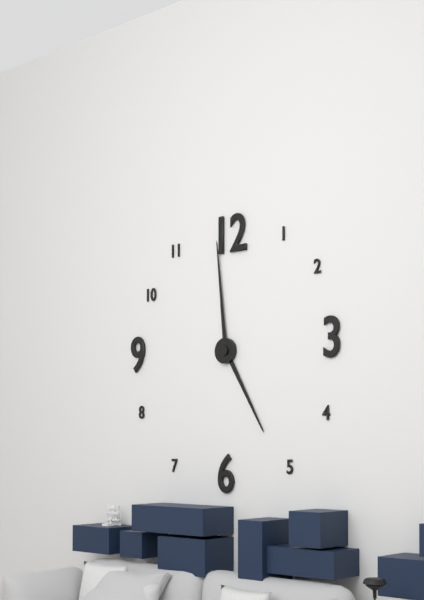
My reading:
4h59
